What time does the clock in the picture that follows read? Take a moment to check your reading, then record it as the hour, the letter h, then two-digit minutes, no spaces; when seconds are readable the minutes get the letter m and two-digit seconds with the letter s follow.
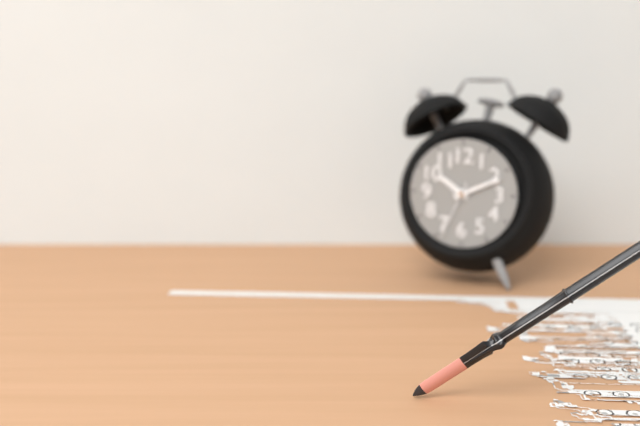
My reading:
10h11m34s
